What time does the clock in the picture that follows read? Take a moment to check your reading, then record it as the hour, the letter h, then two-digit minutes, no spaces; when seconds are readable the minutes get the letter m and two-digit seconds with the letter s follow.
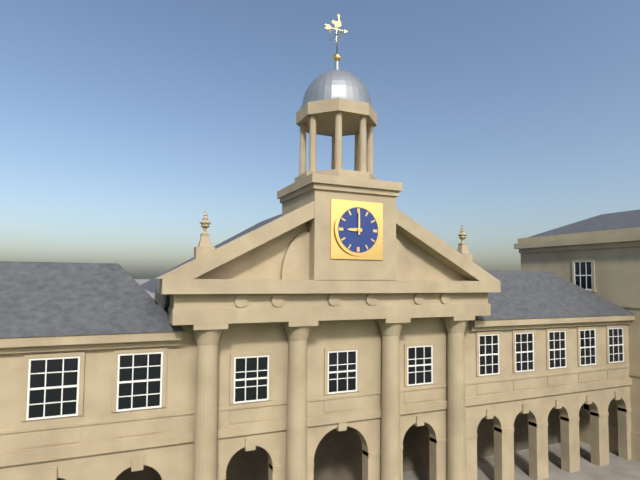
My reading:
9h00
